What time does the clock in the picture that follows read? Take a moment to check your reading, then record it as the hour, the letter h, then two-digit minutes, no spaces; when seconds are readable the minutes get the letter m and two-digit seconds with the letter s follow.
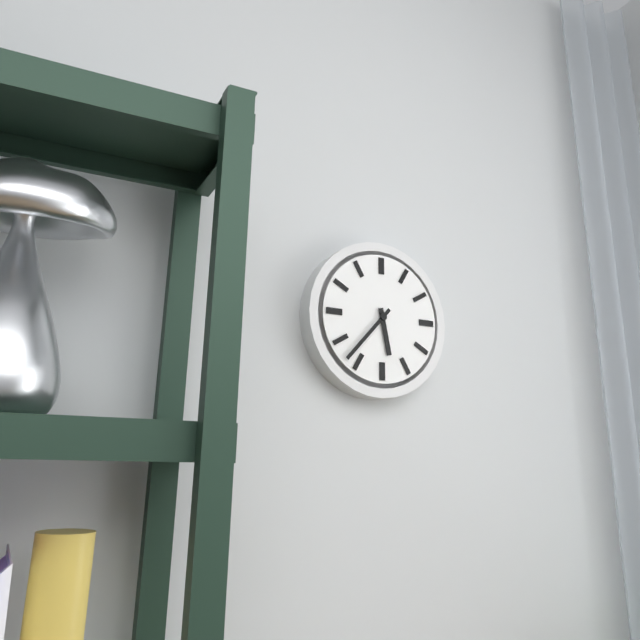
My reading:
5h37
